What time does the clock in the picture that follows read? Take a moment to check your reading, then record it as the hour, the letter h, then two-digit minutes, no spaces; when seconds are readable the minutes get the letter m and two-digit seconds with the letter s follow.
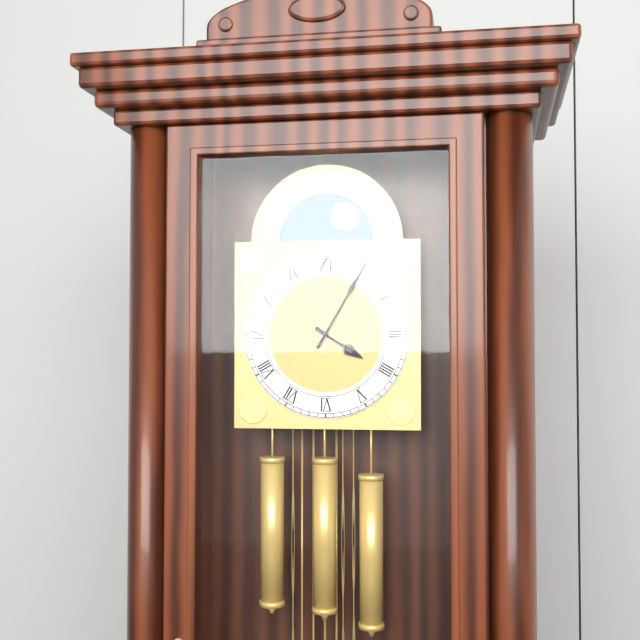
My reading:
4h05
